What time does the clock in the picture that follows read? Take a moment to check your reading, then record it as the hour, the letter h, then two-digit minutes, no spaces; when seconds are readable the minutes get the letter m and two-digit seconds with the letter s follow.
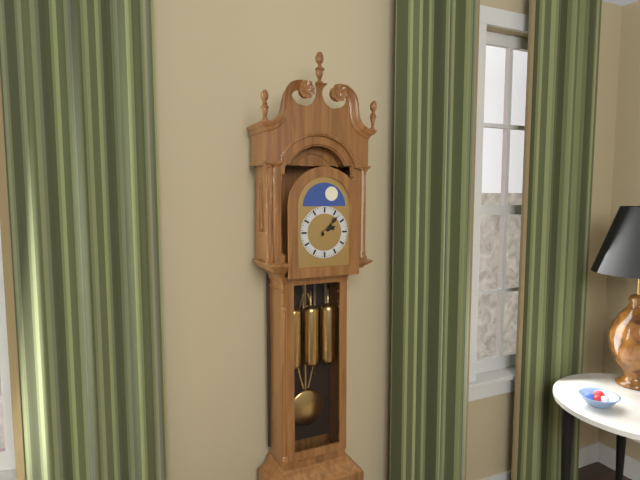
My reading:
2h07
